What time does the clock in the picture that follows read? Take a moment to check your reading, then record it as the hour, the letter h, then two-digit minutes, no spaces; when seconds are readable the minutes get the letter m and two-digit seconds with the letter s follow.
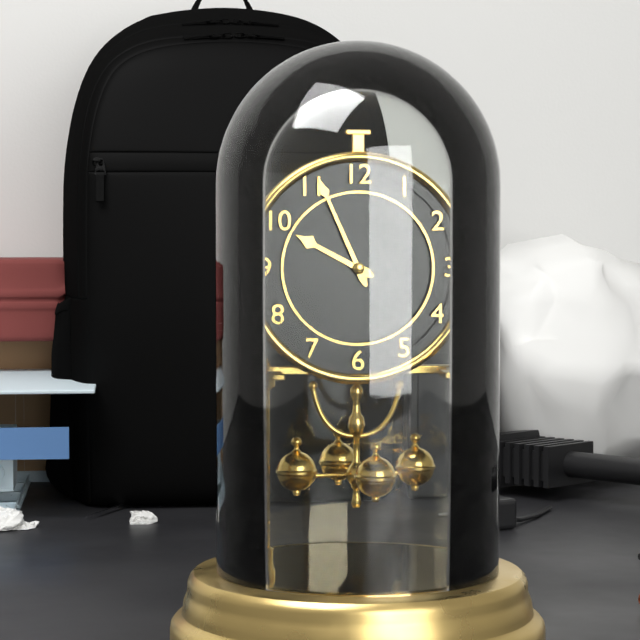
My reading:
9h56
